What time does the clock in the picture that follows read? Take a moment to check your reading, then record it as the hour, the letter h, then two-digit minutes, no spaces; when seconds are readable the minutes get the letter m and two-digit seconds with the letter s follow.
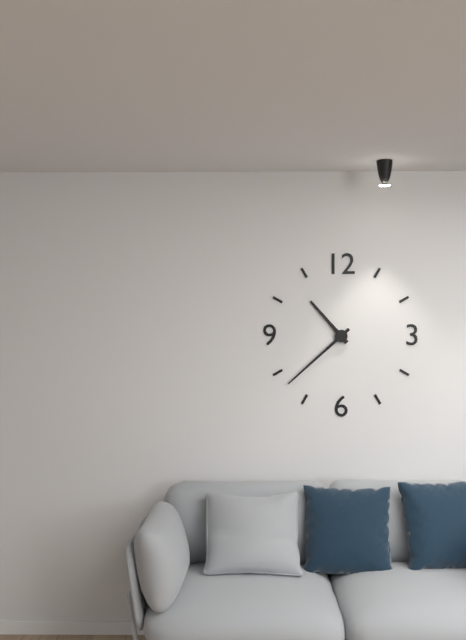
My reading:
10h38
